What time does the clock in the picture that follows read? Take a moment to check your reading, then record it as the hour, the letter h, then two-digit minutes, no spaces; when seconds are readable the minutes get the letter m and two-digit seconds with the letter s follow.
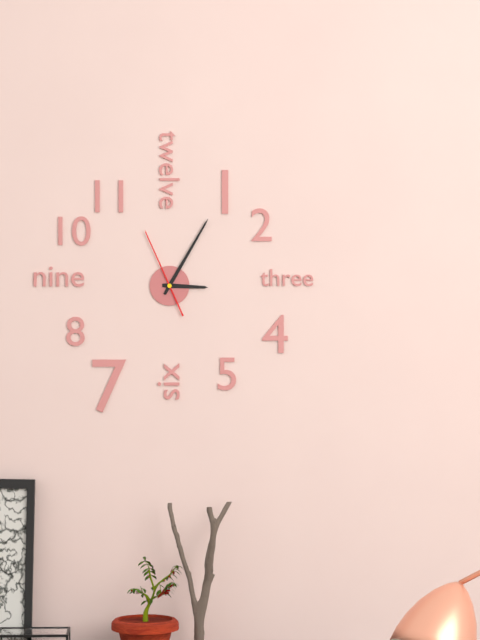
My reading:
3h05m56s
